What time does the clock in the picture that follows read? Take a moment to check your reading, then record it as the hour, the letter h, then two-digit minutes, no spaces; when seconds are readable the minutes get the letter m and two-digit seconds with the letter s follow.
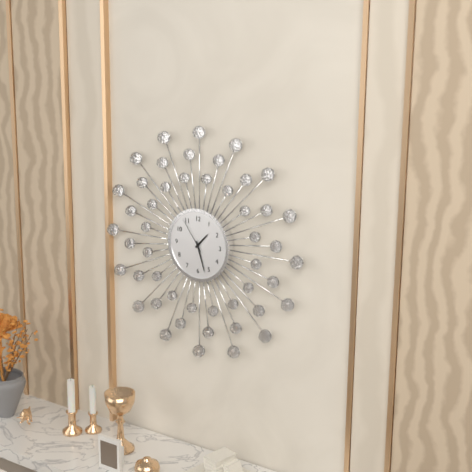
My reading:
1h27
